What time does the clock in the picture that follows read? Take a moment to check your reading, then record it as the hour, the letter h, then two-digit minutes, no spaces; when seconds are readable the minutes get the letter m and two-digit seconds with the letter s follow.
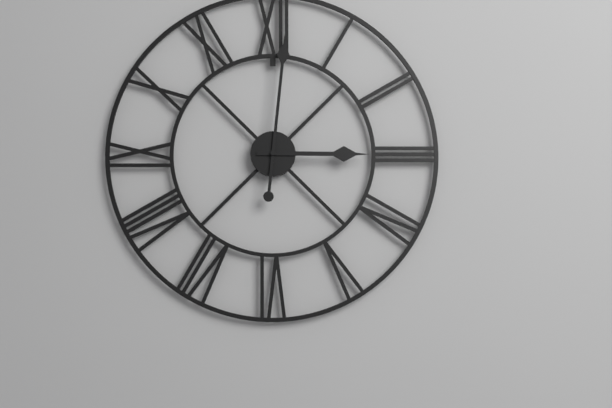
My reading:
3h01
